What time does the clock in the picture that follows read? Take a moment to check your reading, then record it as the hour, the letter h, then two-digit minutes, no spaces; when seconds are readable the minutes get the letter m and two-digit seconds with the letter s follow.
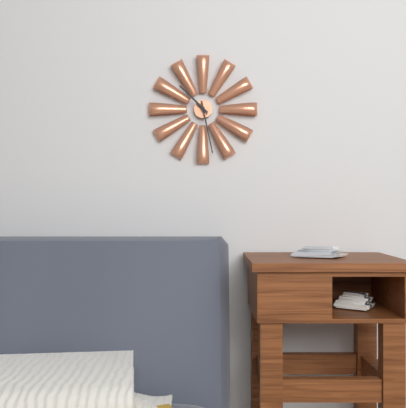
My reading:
10h28
